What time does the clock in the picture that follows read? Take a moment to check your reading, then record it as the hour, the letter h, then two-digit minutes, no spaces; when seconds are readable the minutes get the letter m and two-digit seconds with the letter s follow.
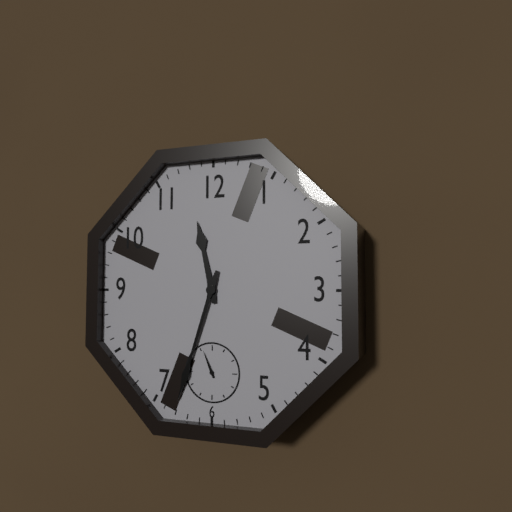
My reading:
11h33
